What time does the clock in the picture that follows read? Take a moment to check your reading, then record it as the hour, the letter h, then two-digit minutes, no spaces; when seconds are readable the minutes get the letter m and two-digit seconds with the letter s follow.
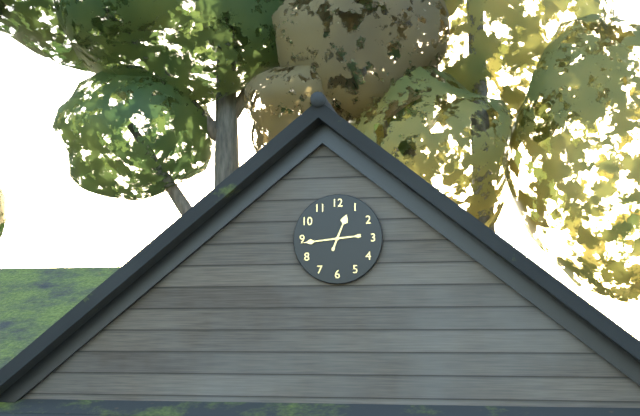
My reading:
12h44
